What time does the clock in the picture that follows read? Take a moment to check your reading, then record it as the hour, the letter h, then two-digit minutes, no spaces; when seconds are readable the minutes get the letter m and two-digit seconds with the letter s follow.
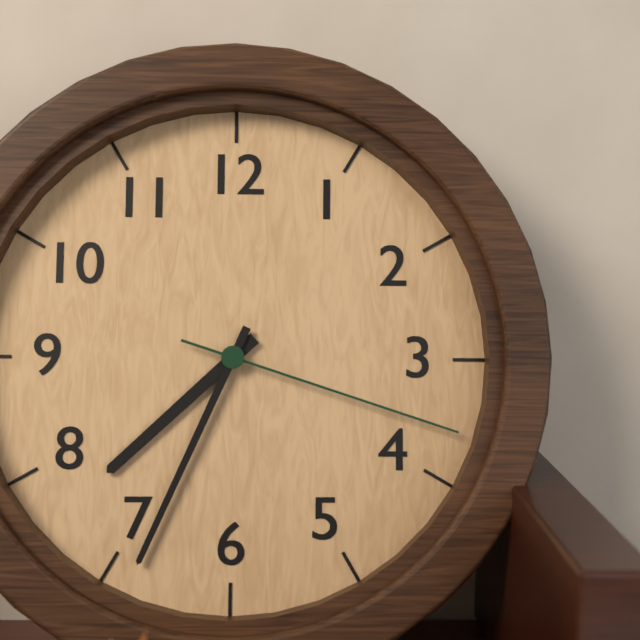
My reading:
7h34m18s
